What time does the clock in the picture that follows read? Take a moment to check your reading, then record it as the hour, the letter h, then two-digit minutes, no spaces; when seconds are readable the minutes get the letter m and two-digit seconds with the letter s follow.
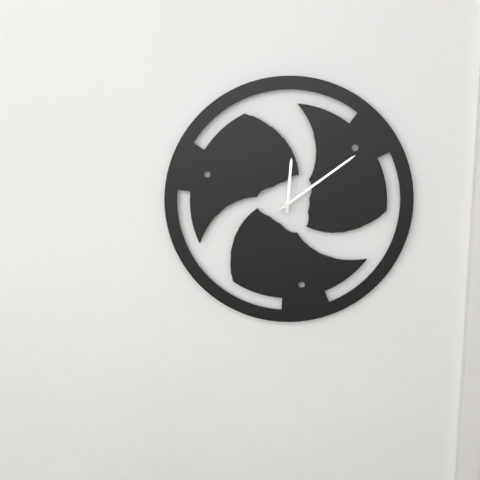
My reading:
12h09
